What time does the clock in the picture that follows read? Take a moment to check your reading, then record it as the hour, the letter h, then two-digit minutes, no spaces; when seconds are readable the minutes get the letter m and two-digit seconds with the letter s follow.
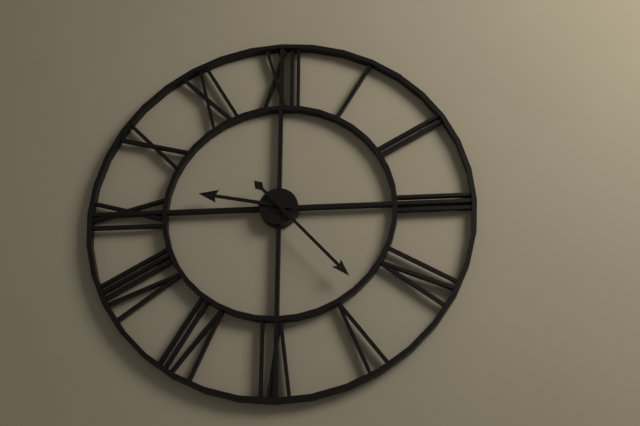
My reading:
9h23
